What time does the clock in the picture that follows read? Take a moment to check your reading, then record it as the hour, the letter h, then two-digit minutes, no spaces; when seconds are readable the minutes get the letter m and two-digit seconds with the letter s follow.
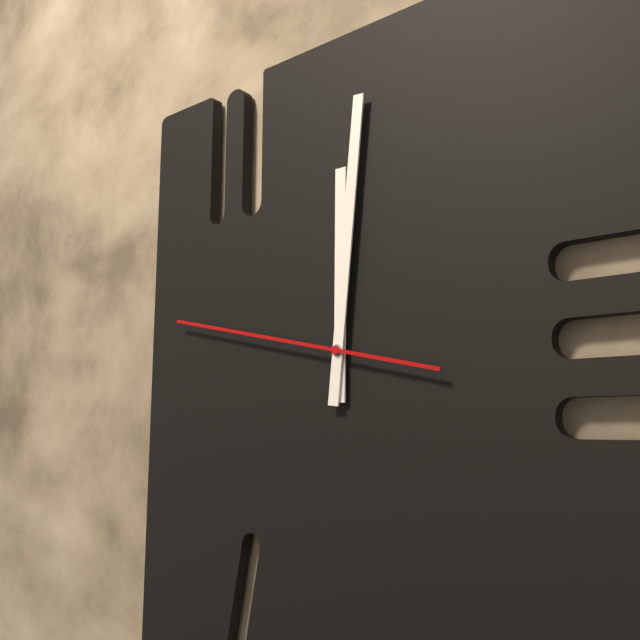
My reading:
12h01m47s
